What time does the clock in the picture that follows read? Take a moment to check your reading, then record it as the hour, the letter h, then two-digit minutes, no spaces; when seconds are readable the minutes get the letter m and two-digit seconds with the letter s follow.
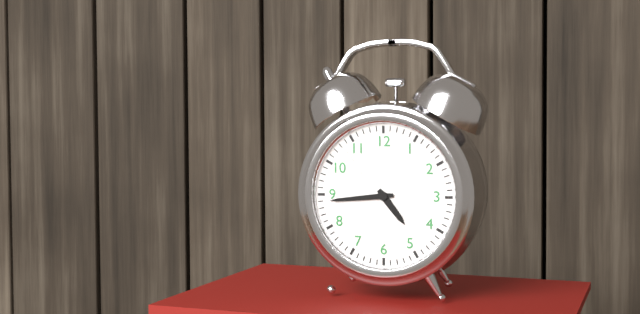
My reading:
4h44
